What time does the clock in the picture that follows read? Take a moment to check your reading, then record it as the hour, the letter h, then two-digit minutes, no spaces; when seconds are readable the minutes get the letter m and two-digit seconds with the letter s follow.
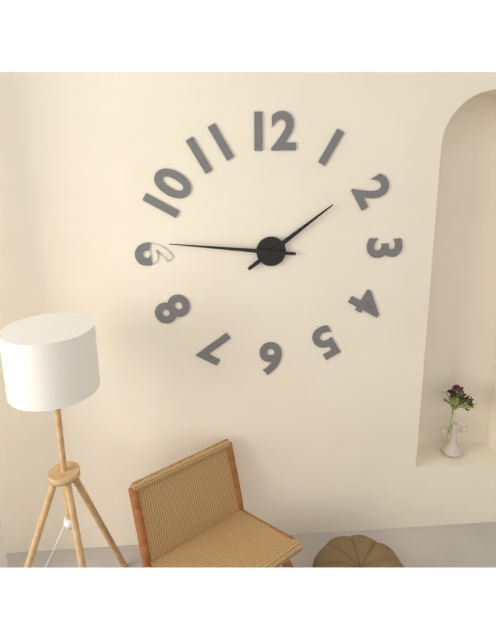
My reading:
1h46
